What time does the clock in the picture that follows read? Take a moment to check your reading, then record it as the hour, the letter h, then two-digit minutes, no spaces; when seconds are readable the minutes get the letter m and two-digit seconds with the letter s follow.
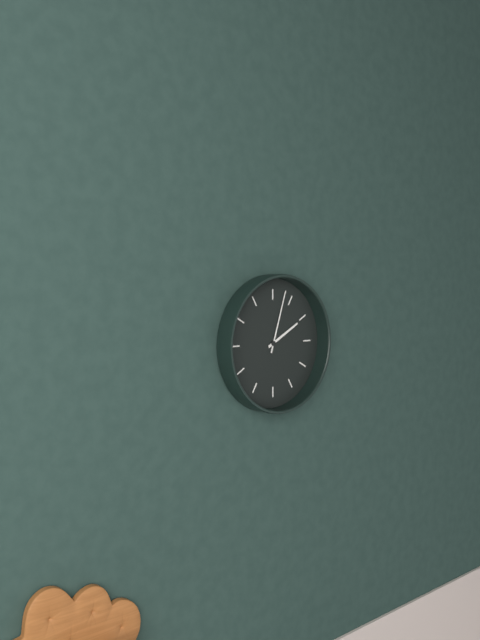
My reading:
2h03
